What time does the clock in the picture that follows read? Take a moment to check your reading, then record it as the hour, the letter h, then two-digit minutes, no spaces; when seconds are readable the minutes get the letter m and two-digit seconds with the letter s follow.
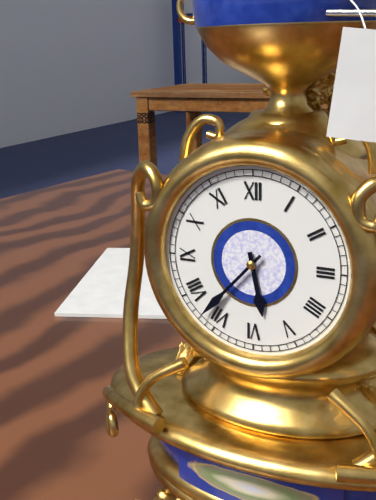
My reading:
5h37
